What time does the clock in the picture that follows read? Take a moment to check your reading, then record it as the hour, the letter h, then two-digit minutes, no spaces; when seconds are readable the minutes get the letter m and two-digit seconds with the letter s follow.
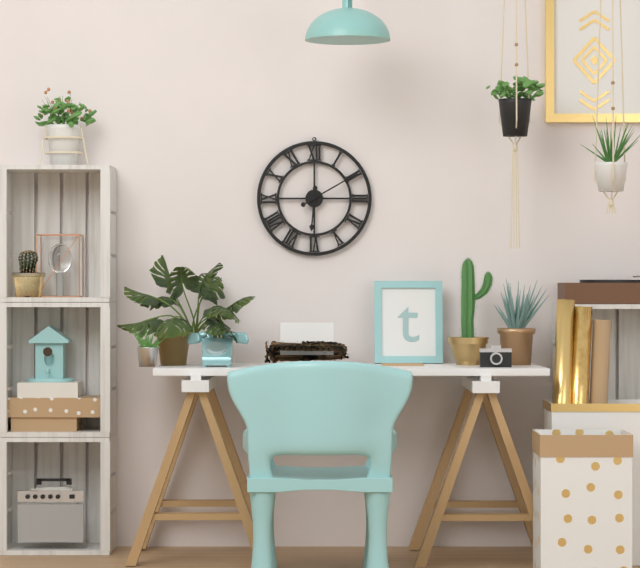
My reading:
6h10
